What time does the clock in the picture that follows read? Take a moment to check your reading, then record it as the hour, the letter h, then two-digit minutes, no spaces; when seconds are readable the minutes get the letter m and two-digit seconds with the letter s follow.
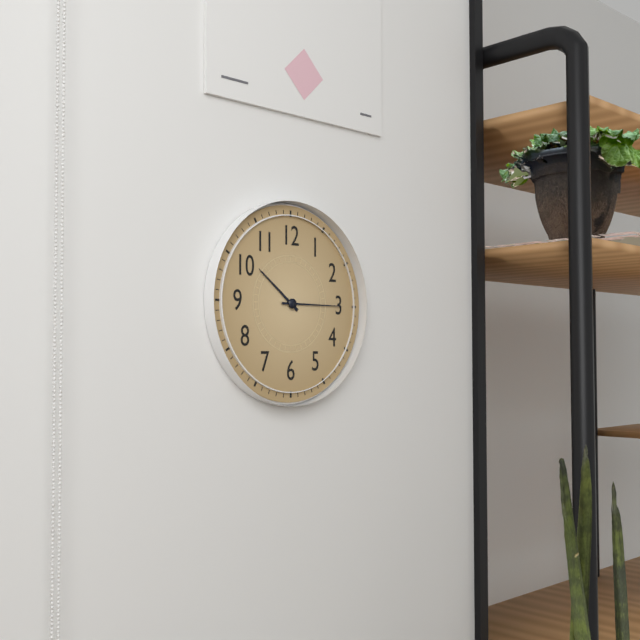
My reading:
10h15
